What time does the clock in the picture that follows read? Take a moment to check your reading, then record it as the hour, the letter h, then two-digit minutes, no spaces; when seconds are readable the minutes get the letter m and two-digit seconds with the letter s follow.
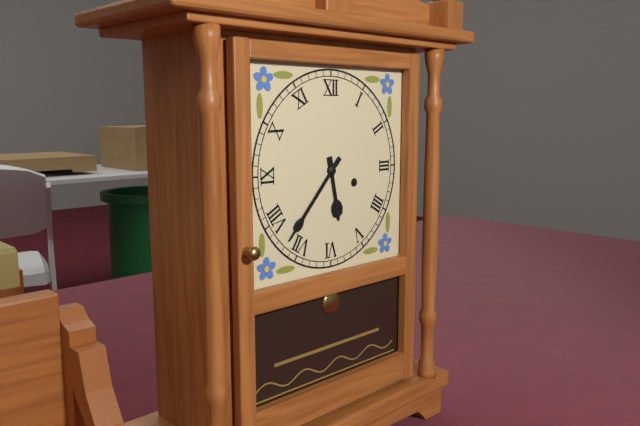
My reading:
5h37
